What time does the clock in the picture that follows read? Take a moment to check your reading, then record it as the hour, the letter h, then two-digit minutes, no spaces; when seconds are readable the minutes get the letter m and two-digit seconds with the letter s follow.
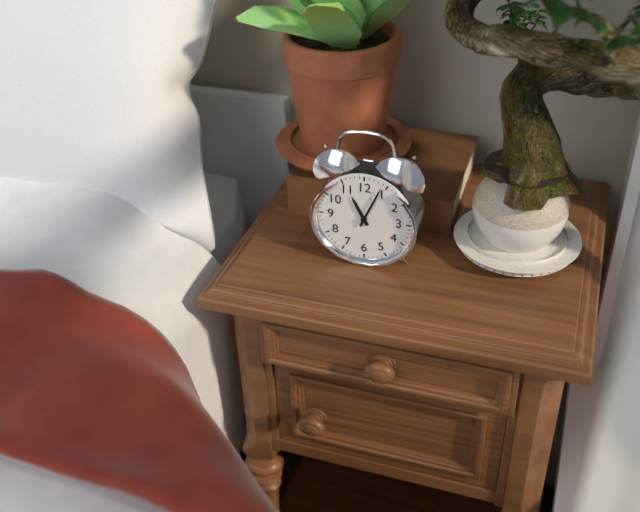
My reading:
11h04
